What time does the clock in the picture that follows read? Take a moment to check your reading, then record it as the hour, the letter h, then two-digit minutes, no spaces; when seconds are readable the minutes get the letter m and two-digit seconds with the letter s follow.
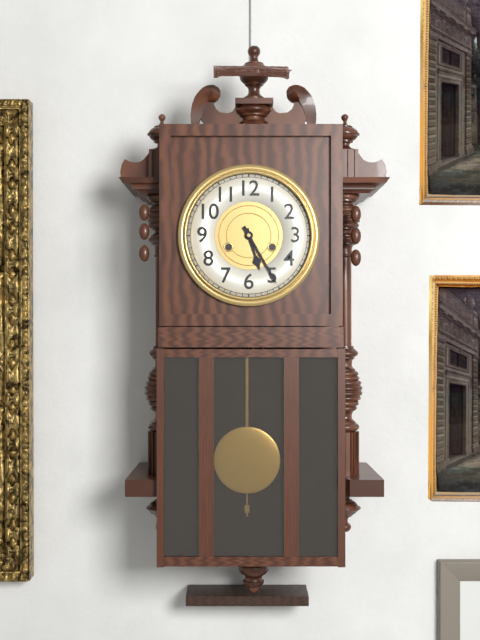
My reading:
5h25
